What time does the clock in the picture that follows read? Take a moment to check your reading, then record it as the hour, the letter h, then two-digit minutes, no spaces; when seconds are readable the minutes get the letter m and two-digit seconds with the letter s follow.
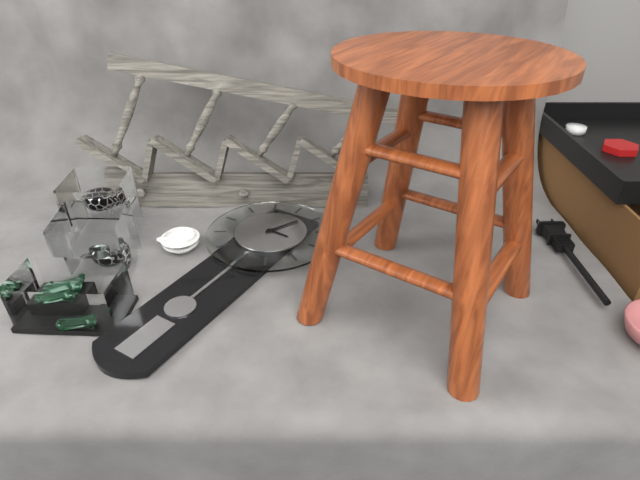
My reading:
3h04
